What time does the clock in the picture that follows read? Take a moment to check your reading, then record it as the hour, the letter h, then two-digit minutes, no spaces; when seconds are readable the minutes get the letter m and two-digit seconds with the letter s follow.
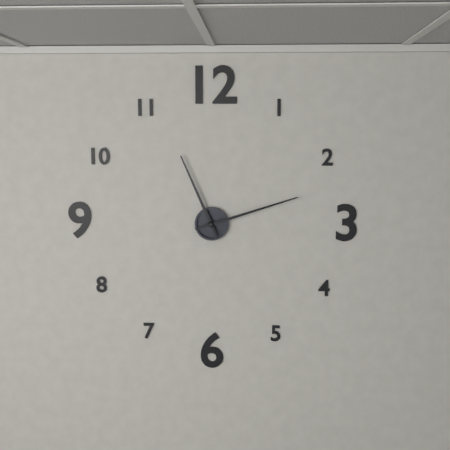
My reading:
11h12
